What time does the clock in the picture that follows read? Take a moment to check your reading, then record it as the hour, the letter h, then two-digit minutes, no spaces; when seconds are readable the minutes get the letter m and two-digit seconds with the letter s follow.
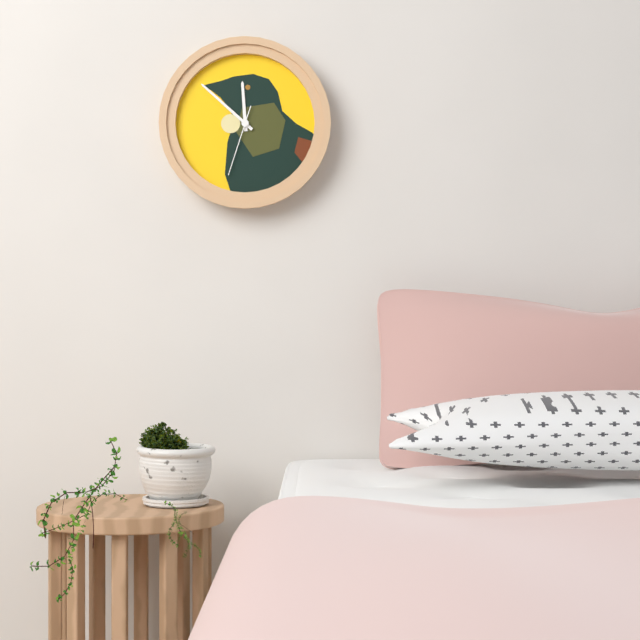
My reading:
11h52m33s
